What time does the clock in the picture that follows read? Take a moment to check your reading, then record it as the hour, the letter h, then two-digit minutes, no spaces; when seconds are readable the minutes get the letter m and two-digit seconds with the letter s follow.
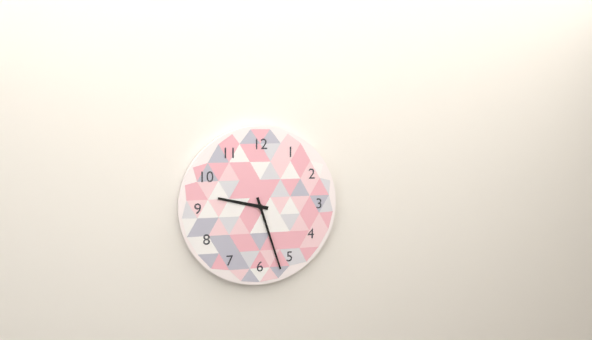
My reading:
9h27
